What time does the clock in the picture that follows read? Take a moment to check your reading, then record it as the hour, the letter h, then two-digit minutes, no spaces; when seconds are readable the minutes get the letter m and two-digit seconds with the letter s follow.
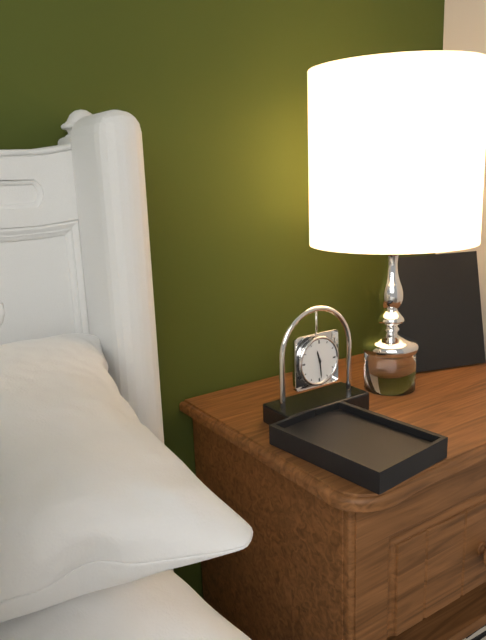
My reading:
11h29
